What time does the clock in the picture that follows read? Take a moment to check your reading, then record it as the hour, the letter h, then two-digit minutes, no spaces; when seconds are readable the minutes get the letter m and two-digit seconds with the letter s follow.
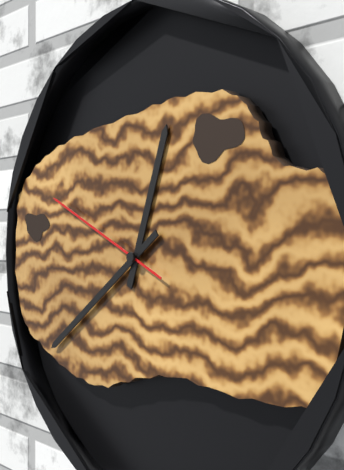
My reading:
12h39m49s
